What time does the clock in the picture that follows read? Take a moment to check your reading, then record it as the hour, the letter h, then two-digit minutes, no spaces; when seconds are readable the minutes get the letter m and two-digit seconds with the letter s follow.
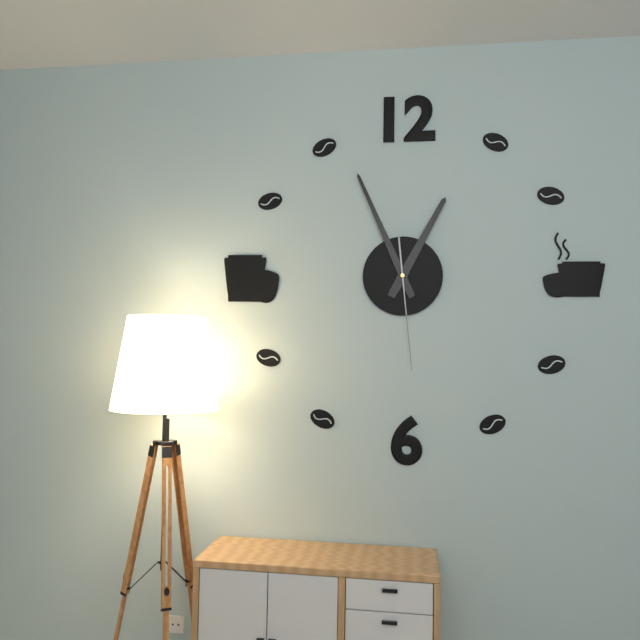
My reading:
12h56m29s
